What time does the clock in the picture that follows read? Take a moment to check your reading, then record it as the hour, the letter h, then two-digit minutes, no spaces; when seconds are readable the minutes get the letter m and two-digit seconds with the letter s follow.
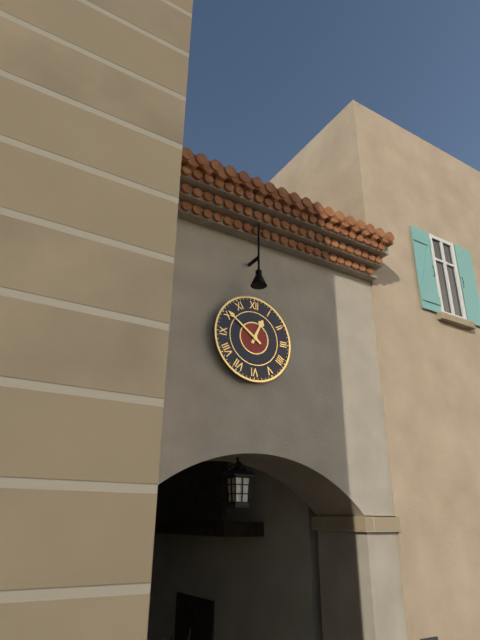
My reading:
12h51
